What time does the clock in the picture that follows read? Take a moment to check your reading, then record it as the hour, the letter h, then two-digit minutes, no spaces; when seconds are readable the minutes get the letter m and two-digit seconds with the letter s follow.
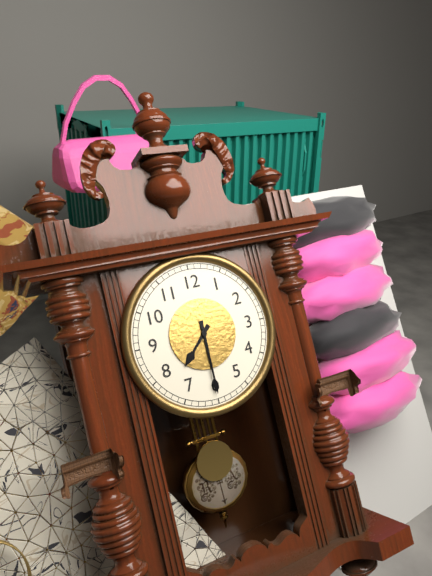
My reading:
7h30
